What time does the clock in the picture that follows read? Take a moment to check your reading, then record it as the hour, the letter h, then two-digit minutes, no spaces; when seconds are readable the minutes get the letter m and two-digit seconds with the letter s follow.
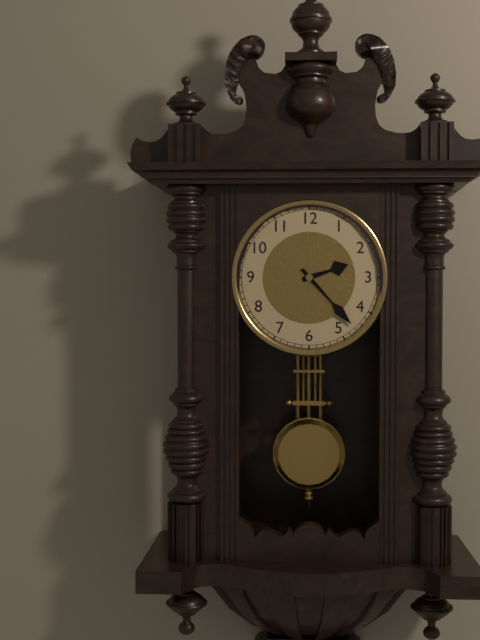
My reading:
2h23
